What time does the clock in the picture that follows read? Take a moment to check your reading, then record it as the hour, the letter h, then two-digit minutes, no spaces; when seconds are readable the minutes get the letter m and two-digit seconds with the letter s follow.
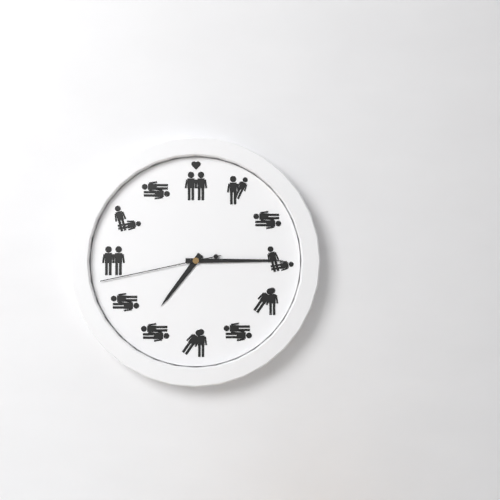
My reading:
7h15m43s
